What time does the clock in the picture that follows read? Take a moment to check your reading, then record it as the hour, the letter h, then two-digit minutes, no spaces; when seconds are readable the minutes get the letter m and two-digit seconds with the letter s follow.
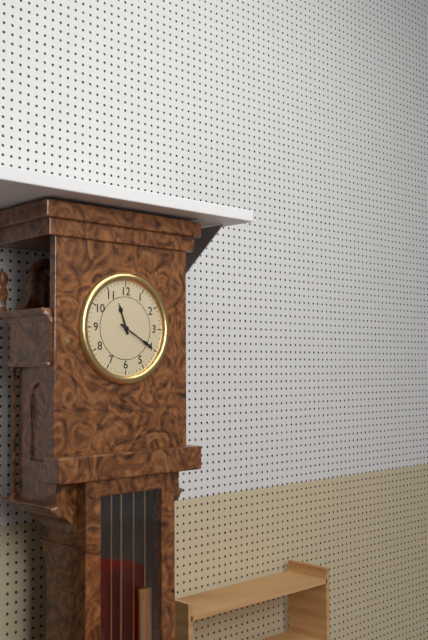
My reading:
11h20
